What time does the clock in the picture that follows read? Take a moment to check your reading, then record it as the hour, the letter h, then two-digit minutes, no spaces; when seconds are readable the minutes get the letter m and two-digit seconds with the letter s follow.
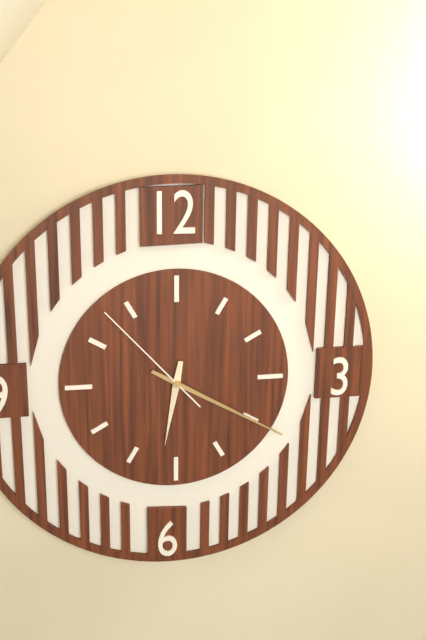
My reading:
6h20m53s
